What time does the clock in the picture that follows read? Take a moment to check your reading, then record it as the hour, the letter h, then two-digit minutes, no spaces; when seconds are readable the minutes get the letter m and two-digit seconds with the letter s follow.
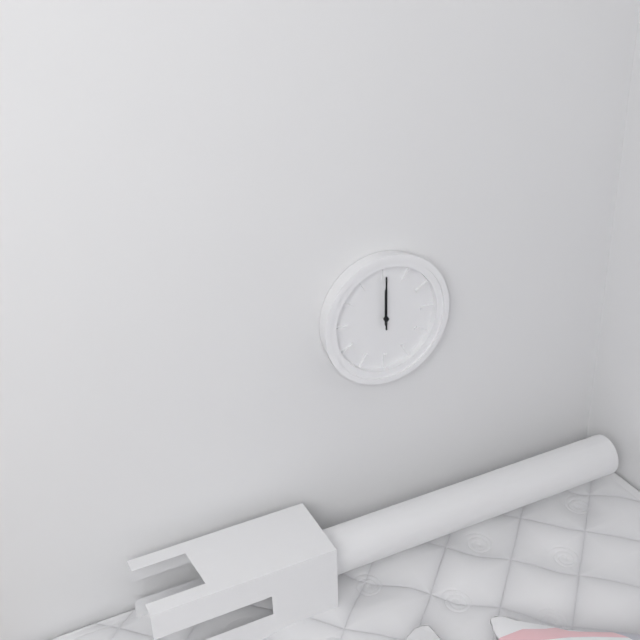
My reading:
12h00
